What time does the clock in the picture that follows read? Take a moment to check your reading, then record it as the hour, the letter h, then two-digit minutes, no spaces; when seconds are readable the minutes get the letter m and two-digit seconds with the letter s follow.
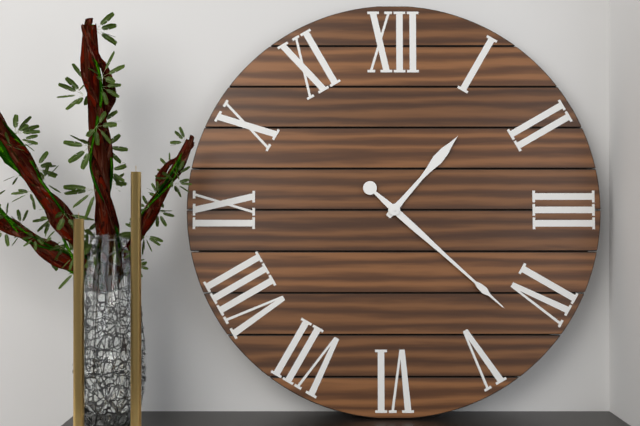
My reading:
1h22
